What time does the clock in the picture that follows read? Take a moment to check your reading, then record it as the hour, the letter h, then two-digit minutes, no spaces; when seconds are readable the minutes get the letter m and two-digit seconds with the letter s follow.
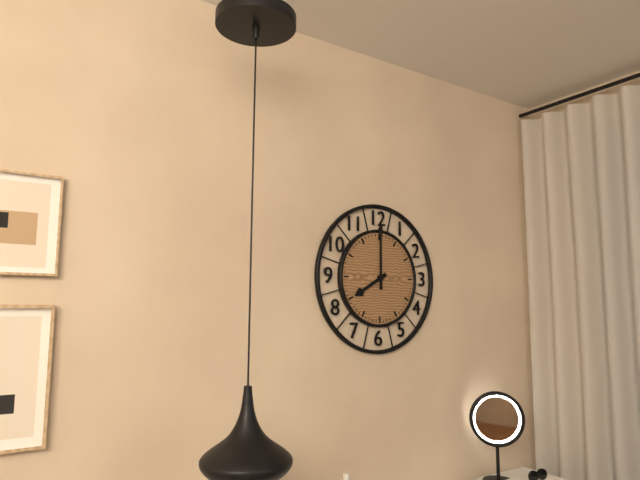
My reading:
8h00
